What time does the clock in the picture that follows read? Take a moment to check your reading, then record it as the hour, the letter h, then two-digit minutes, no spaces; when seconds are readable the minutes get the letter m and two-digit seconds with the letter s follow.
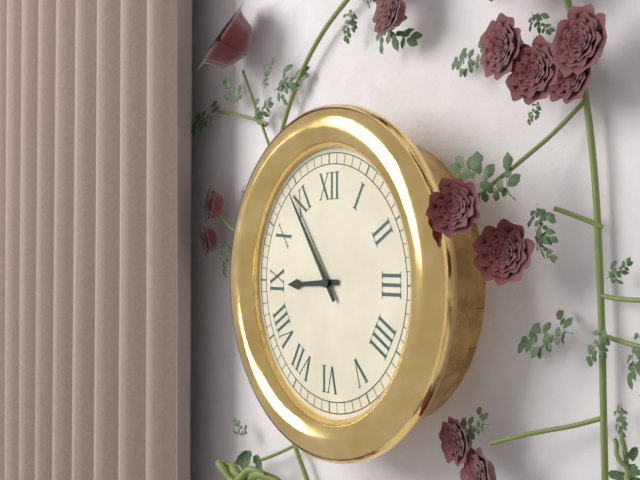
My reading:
8h54
